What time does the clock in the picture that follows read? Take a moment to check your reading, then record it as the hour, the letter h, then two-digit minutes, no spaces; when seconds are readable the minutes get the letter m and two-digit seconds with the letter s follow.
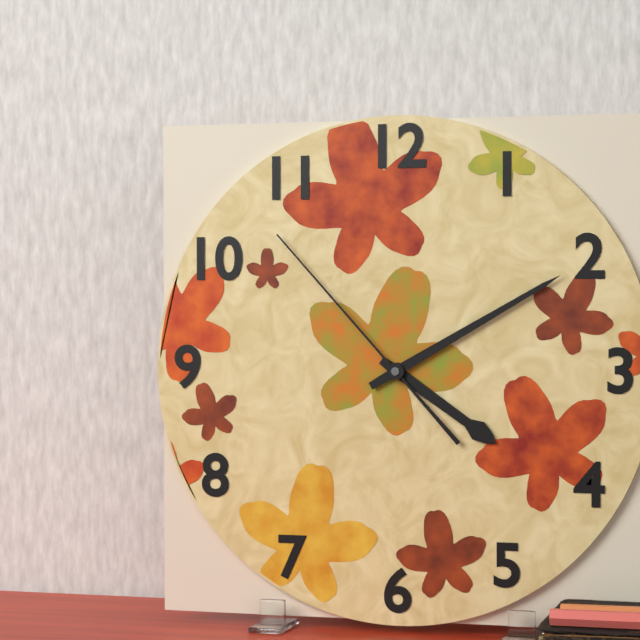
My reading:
4h10m53s
